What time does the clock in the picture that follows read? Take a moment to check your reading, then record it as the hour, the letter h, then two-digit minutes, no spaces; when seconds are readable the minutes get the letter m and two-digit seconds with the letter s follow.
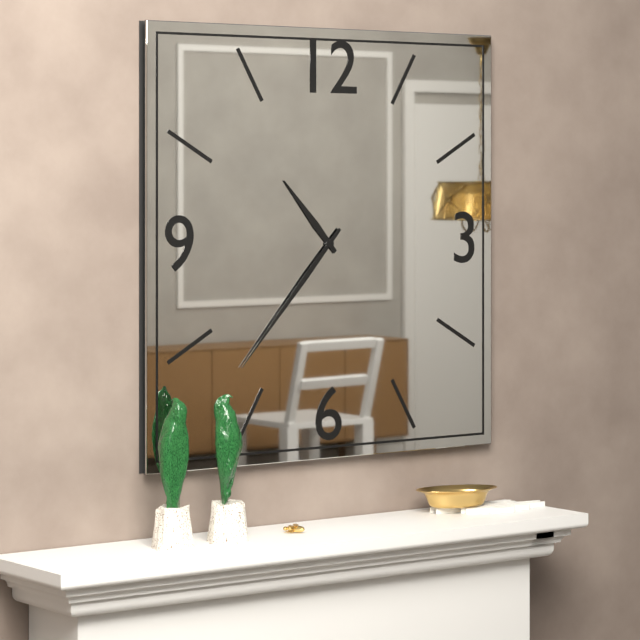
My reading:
10h37
